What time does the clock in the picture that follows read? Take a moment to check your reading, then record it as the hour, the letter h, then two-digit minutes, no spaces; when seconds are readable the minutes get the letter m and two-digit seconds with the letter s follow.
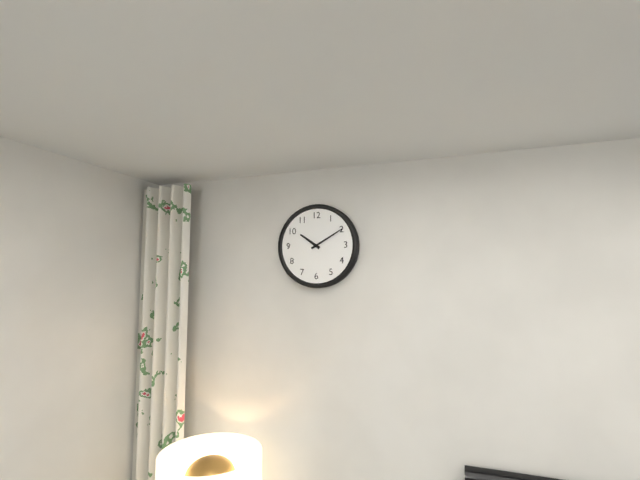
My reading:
10h10
